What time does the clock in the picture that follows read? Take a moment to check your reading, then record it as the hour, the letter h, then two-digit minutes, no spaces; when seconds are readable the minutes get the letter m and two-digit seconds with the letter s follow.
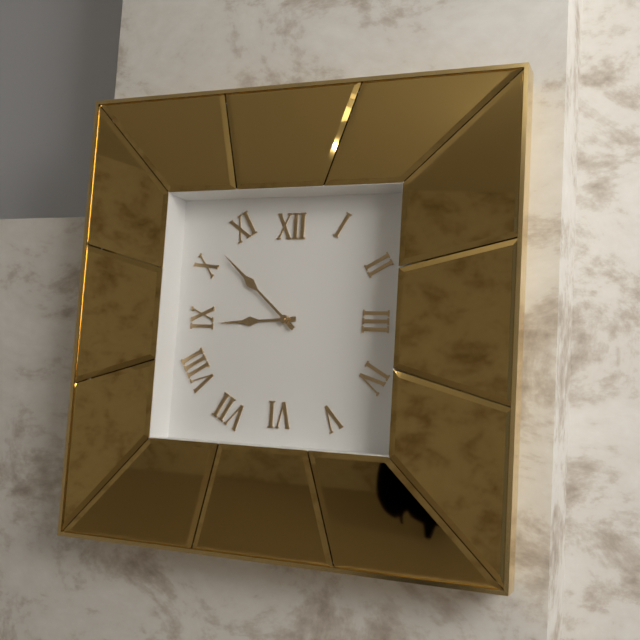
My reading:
8h52
